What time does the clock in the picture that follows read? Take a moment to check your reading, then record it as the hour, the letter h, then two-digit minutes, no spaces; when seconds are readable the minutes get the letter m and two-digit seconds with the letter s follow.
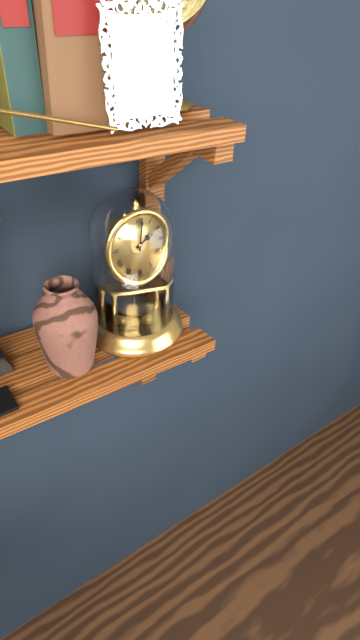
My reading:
2h01
